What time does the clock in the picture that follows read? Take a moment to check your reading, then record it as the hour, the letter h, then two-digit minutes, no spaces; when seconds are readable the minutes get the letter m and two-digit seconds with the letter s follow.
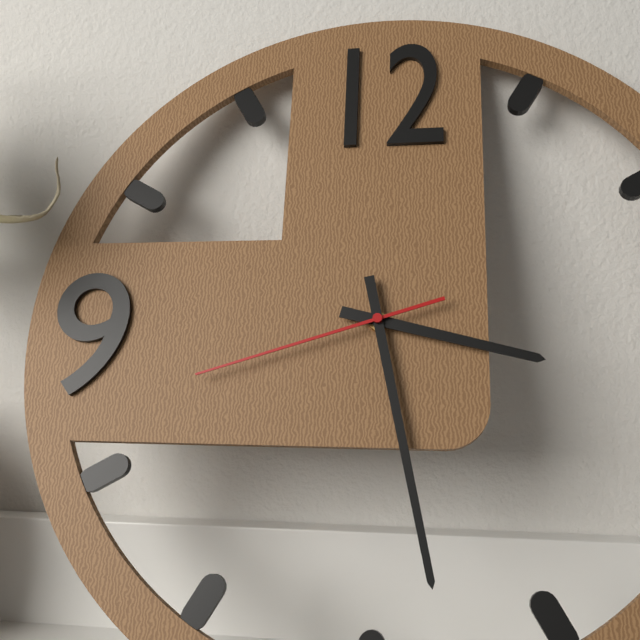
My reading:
3h28m42s
